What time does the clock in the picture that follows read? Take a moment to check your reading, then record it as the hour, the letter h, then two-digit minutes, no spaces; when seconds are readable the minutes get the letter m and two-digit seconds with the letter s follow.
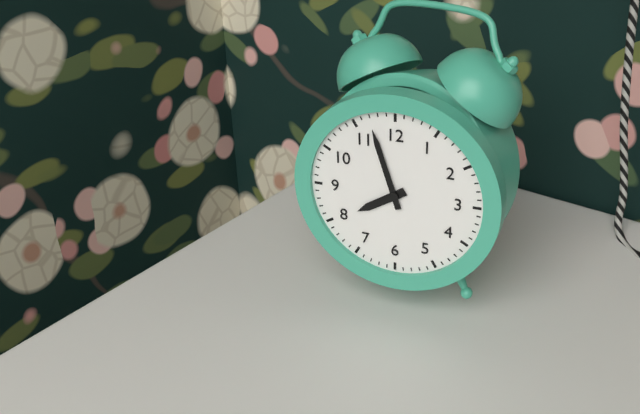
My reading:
7h57
